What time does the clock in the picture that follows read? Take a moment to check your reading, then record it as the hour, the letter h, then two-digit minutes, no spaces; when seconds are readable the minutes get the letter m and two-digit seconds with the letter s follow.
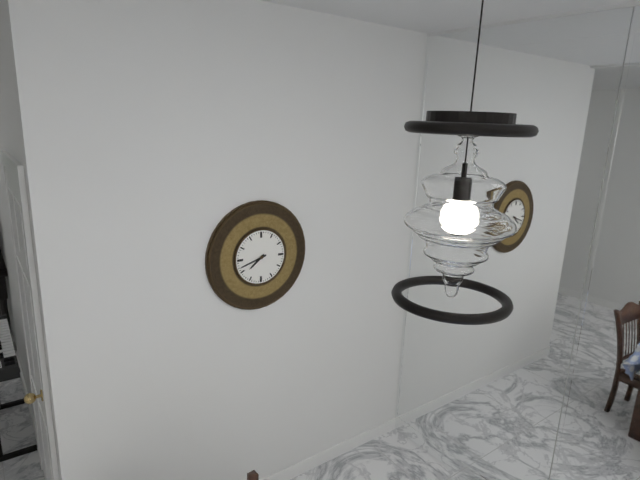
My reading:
7h42
